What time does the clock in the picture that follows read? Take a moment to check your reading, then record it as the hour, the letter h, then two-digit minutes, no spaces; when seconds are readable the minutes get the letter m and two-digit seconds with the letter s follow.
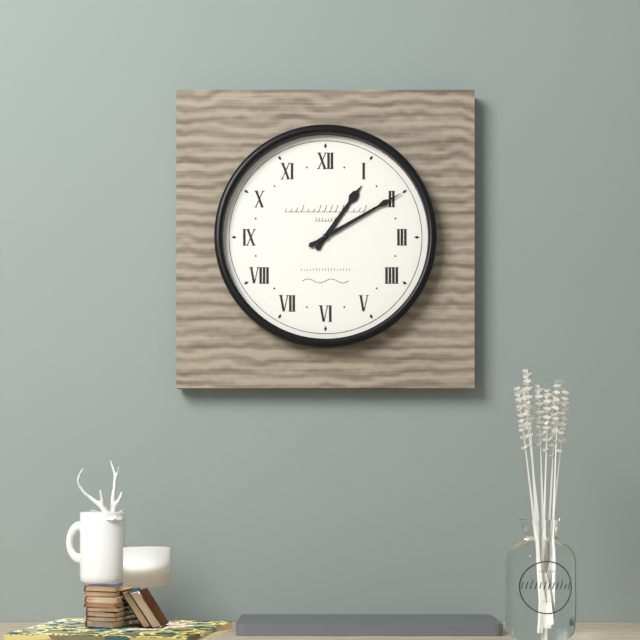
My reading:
1h10
